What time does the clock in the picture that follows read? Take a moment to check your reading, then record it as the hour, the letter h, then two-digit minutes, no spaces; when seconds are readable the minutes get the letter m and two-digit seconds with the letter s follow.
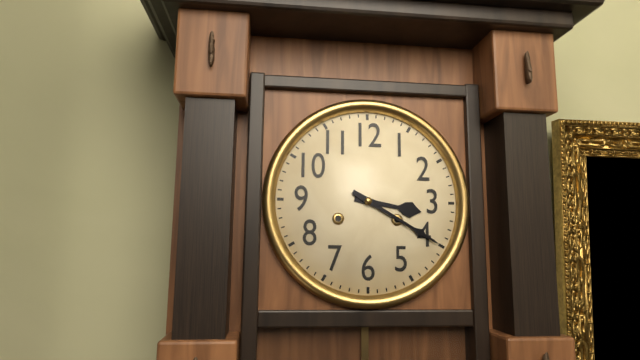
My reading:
3h20
